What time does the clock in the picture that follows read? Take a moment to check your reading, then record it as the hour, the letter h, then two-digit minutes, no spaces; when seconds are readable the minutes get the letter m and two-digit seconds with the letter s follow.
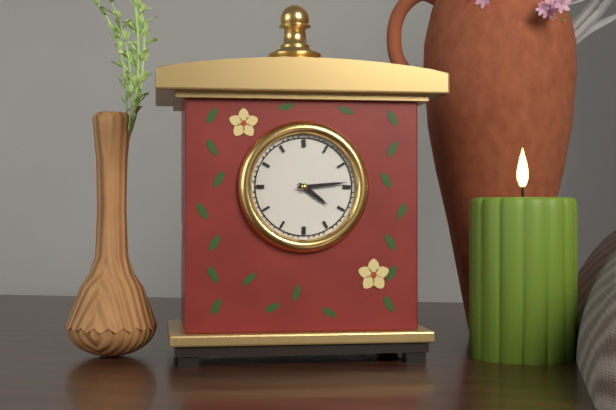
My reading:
4h14
